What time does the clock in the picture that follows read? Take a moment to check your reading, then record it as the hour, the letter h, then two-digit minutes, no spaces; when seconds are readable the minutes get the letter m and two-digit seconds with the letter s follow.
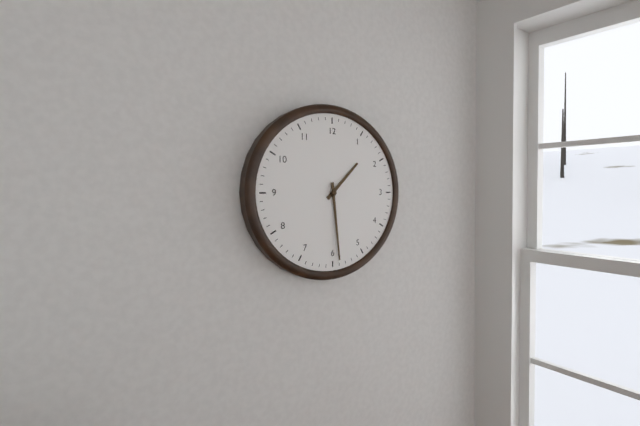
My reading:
1h29
